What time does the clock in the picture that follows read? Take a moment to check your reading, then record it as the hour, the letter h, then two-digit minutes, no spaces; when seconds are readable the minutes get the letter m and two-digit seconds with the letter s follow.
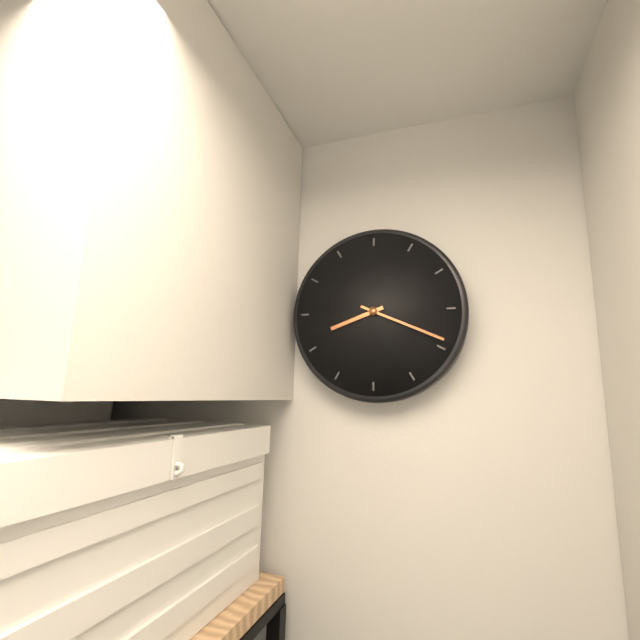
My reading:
8h19
